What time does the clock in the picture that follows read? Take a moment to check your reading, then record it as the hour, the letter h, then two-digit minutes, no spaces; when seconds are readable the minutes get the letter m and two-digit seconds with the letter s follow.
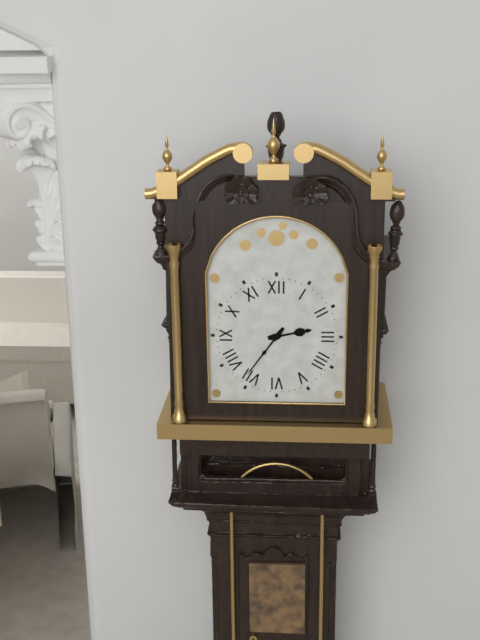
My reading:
2h36
